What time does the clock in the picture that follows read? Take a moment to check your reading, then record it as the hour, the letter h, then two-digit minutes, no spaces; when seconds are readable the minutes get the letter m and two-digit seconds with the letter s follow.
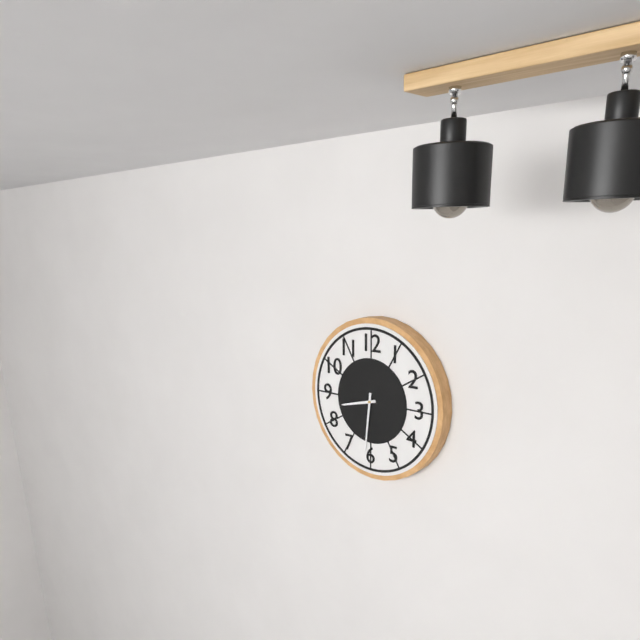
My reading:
8h31
